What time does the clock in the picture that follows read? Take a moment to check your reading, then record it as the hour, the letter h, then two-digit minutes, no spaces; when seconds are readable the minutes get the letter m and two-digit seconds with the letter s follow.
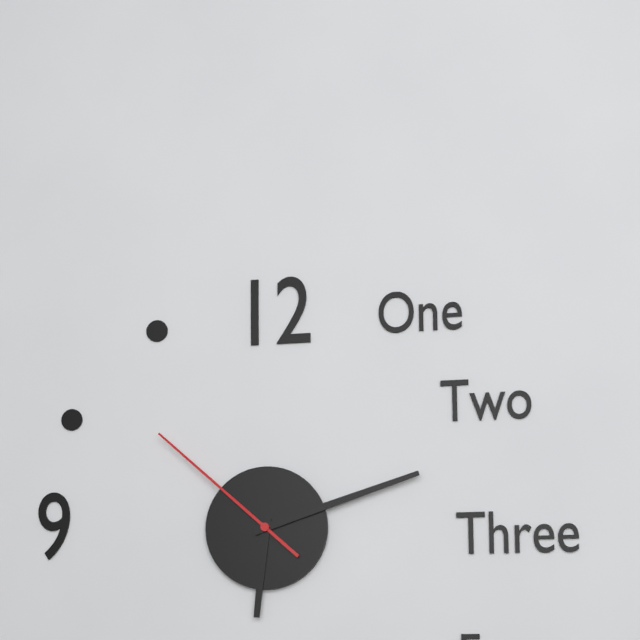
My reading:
6h12m52s
